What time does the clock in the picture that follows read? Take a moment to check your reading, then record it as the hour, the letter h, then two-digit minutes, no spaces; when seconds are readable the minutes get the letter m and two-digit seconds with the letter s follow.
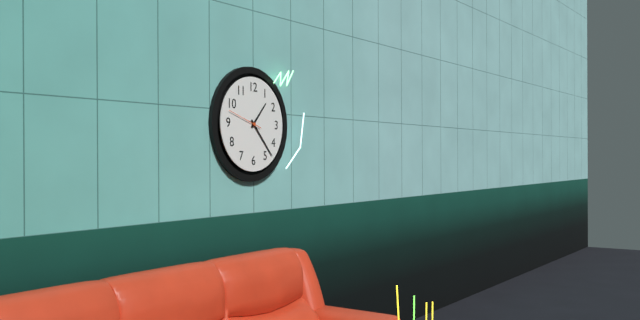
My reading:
1h23
